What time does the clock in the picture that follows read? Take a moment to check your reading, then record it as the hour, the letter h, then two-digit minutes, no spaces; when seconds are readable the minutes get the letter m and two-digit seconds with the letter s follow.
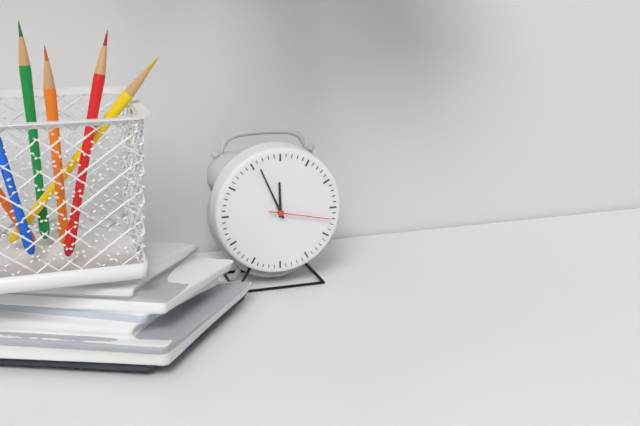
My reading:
11h56m17s
